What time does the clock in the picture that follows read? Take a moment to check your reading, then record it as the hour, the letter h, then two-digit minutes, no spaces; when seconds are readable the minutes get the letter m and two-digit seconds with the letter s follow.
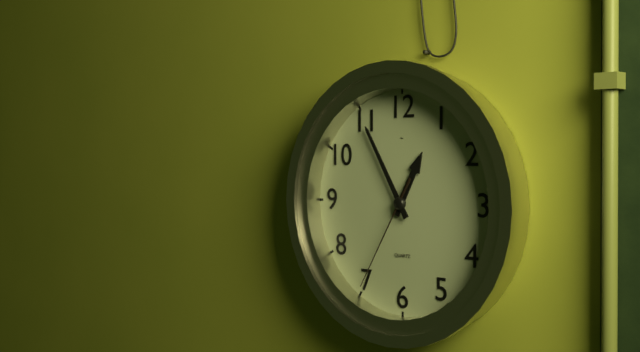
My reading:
12h55m35s
